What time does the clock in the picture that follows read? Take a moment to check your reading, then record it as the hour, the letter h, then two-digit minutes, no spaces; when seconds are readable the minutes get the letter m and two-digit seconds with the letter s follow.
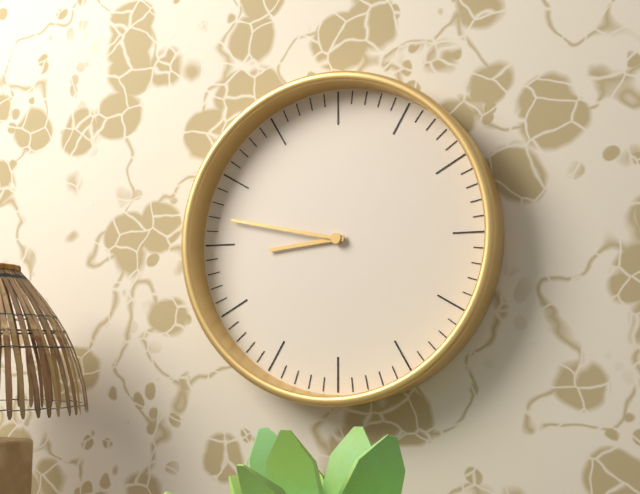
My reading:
8h47
